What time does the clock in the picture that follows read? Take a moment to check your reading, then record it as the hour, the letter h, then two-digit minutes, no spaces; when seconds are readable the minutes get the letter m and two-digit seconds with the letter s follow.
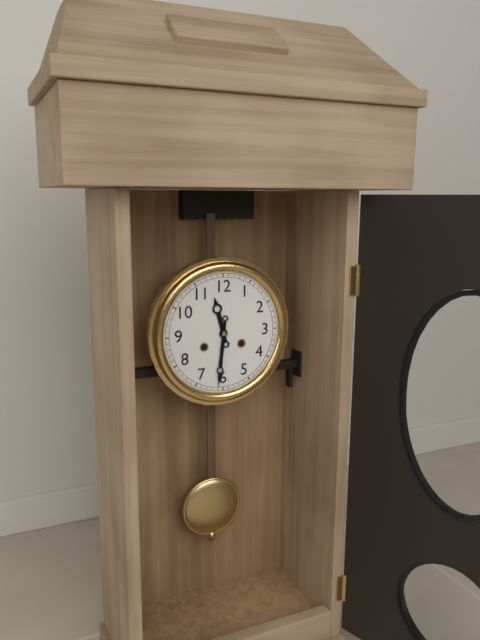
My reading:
11h31
